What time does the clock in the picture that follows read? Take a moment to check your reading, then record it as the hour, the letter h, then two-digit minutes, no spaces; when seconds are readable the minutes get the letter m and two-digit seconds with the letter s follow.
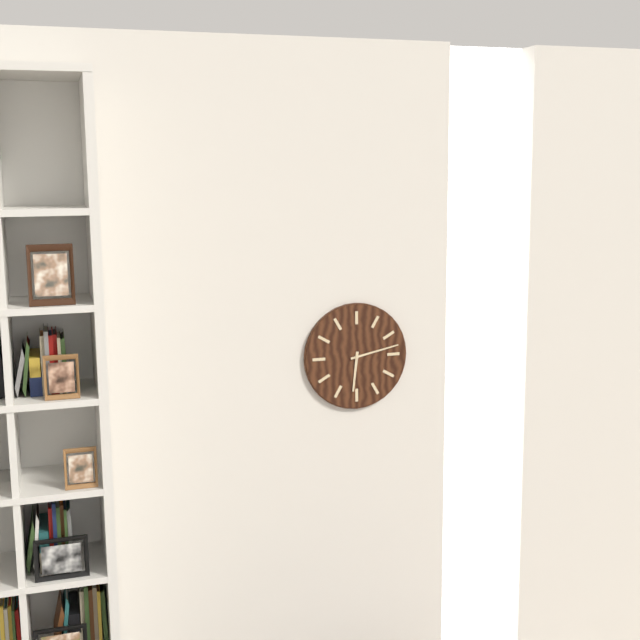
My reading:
6h13
